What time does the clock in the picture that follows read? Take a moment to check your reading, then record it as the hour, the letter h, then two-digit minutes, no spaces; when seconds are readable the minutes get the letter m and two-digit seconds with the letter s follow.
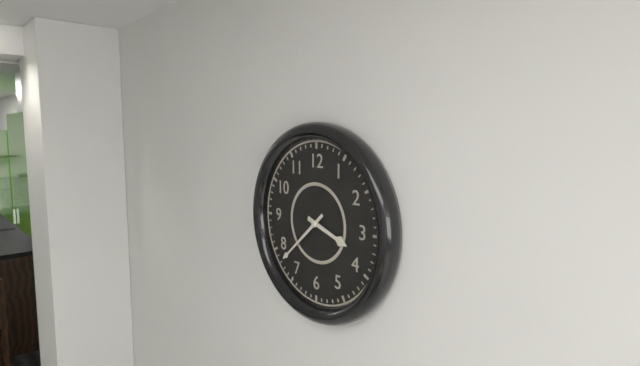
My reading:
3h38
